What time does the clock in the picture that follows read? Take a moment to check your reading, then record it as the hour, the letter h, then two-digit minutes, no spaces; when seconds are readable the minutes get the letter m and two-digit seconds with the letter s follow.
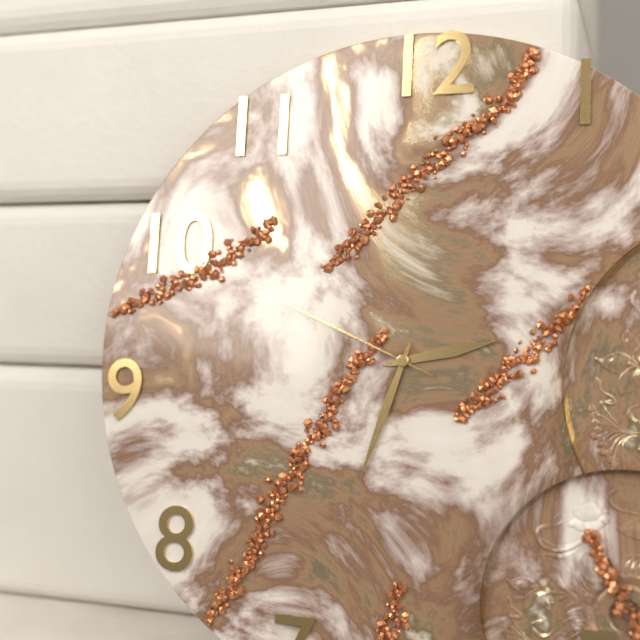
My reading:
2h33m49s
